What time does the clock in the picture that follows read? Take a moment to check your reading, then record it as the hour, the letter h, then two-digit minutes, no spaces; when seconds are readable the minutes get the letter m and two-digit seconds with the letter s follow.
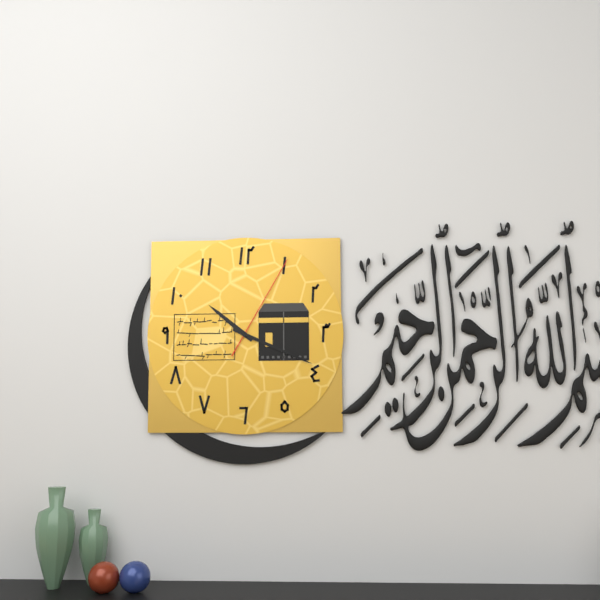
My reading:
10h19m05s
